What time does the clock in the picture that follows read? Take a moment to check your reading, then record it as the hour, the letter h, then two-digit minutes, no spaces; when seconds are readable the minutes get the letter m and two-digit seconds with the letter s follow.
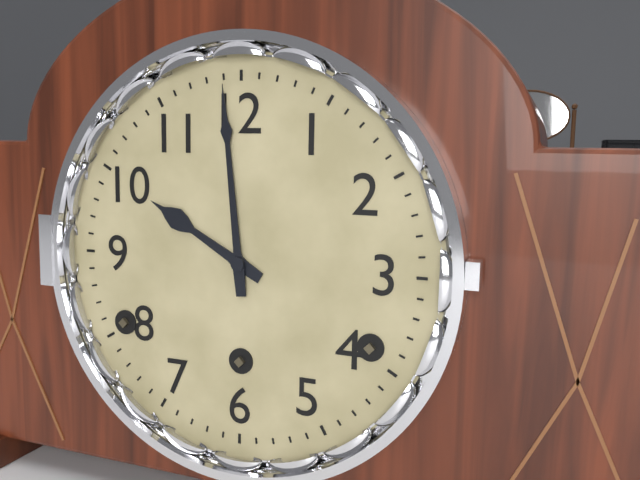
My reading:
9h59
